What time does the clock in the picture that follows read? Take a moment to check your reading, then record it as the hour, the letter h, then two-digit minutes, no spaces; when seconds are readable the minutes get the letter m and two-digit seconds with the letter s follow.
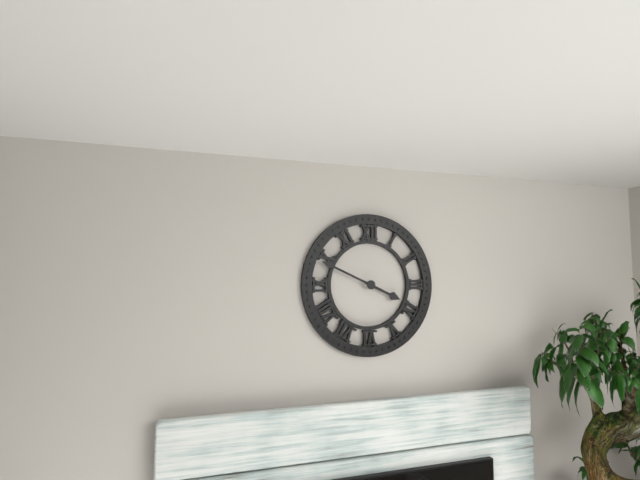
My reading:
3h49
